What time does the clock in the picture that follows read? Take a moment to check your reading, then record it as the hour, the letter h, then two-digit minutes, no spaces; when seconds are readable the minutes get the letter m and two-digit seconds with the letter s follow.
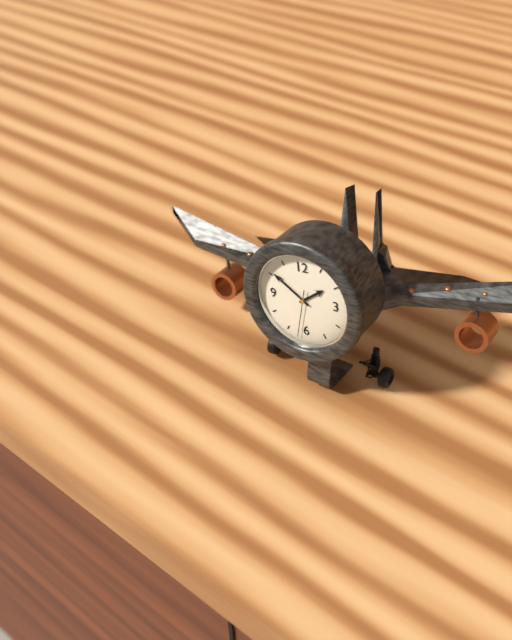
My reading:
1h51m32s
